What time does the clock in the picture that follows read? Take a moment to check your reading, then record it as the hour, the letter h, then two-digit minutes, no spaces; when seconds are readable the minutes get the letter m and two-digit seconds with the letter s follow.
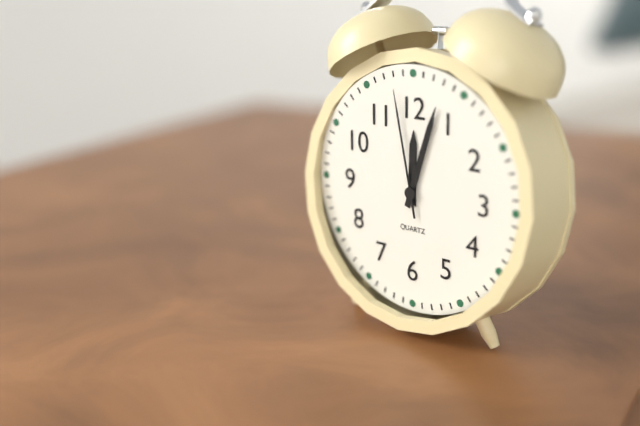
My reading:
12h03m58s
